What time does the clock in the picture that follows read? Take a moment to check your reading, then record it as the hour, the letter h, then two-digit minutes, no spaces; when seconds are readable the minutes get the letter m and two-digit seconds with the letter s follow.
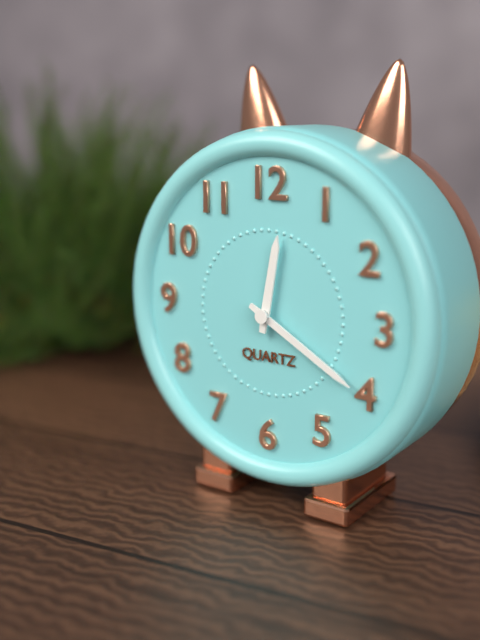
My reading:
12h20
